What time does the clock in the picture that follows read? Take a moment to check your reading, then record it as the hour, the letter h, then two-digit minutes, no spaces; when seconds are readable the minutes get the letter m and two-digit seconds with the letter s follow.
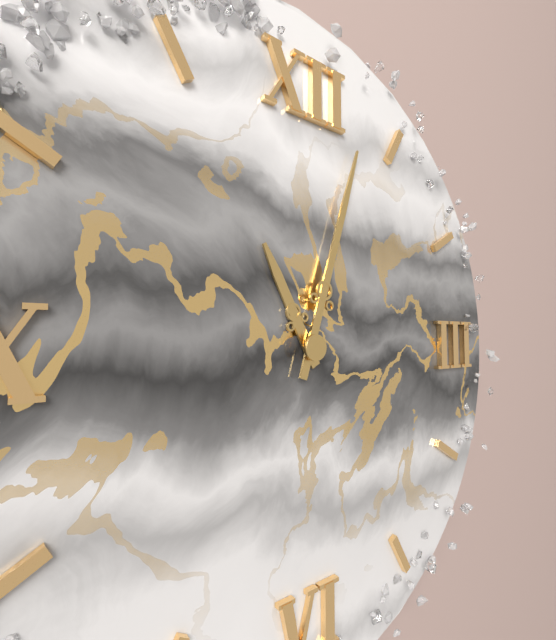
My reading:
11h03
